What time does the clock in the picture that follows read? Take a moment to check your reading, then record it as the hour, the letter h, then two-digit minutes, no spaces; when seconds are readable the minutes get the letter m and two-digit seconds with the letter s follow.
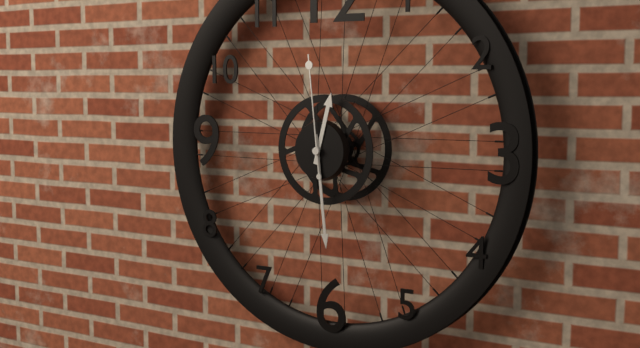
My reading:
12h29m59s
